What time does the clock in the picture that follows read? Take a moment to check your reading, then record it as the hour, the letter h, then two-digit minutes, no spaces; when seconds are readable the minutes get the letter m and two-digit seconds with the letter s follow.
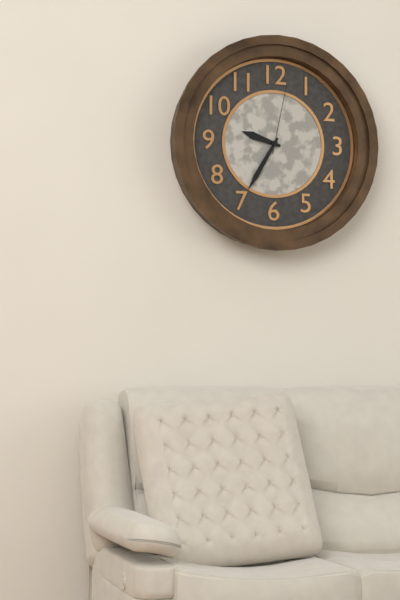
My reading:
9h35m02s
